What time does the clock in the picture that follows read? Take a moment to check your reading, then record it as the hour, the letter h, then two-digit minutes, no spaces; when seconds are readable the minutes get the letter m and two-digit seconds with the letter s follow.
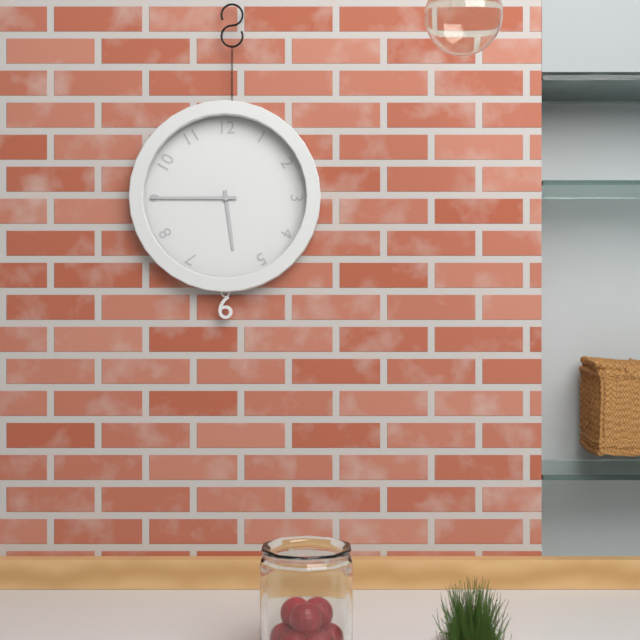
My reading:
5h45
